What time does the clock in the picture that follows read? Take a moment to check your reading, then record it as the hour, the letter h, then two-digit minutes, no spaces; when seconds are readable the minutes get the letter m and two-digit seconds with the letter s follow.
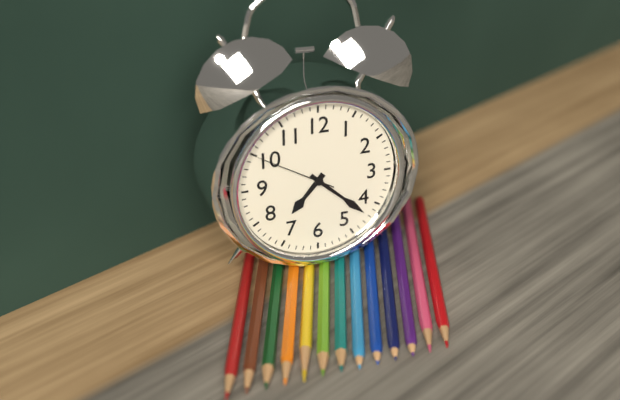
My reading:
7h22m50s
